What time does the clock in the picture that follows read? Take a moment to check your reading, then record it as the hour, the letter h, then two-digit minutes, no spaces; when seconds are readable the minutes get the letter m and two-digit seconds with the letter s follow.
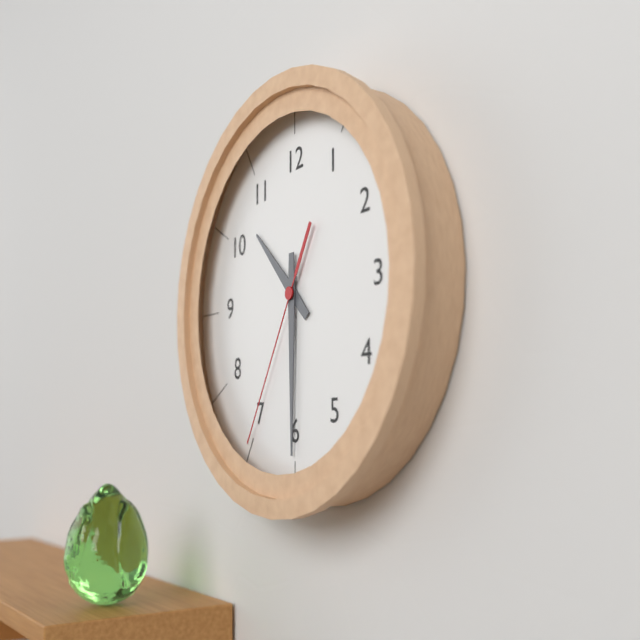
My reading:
10h30m35s
